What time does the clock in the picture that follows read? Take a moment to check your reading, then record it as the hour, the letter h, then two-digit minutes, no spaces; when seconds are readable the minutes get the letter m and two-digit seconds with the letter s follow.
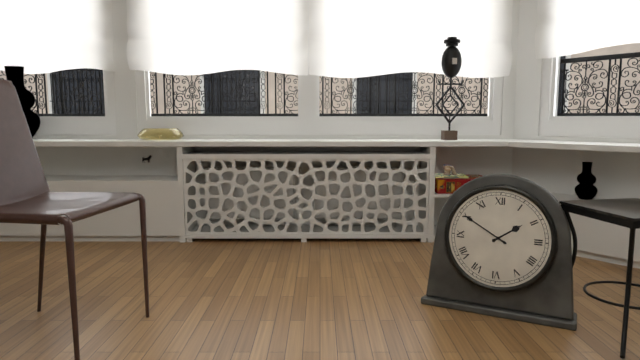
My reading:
1h50
